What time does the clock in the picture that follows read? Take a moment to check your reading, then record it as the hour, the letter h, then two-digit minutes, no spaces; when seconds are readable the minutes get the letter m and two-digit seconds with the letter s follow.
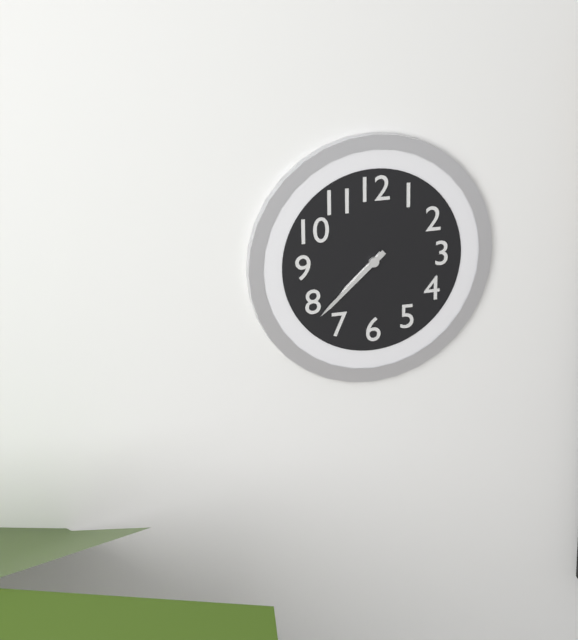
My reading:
7h38
